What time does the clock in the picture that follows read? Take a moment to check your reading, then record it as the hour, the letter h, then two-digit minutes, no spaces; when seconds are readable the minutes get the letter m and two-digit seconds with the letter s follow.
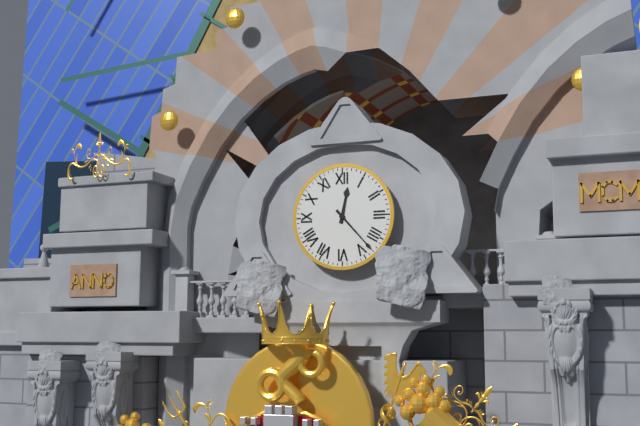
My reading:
12h23
